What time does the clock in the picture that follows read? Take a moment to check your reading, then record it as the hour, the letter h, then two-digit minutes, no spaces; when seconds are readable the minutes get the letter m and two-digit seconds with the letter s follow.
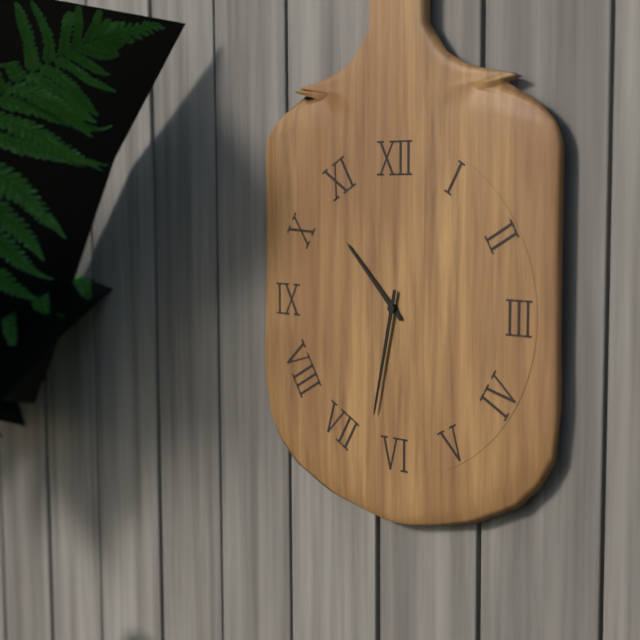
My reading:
10h32
